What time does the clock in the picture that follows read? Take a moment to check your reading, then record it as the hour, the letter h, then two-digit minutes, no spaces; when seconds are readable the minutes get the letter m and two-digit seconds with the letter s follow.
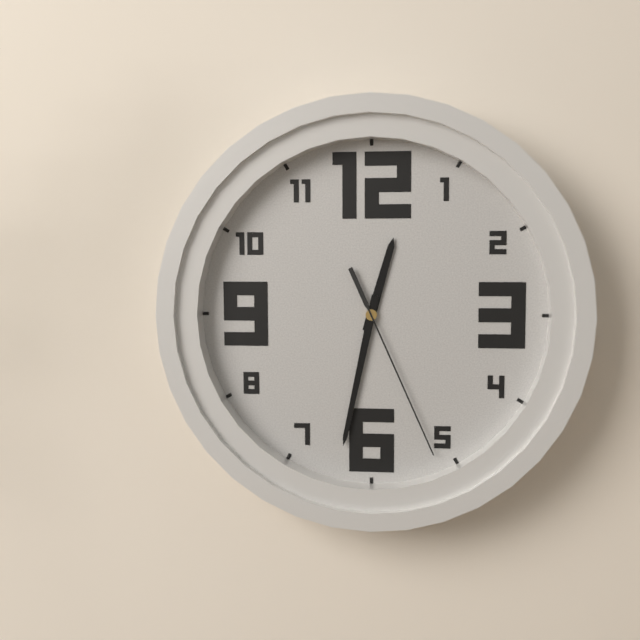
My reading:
12h32m26s
